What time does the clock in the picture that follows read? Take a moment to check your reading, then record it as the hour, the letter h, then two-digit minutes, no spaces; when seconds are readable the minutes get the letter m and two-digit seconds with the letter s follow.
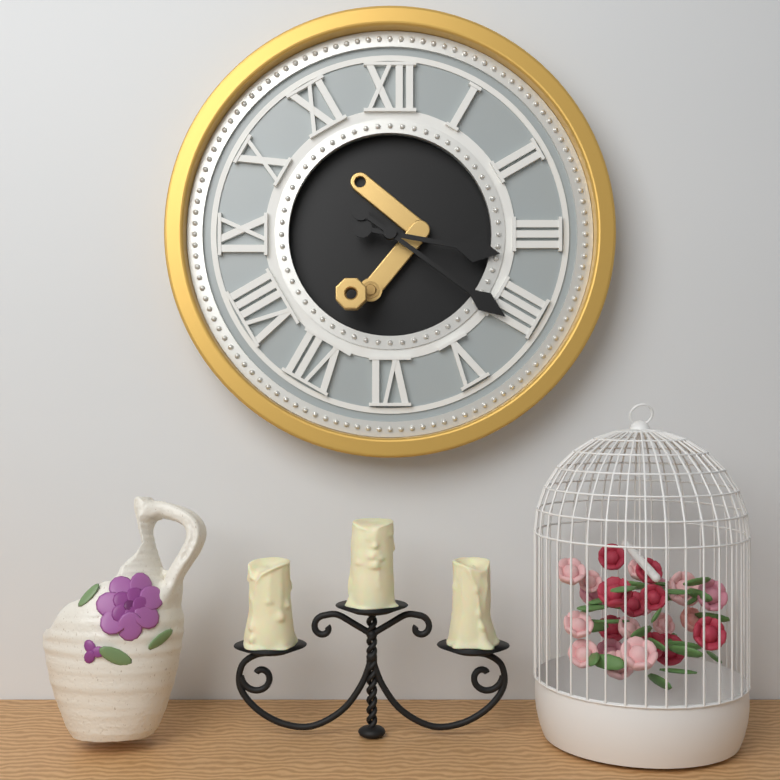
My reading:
3h21
